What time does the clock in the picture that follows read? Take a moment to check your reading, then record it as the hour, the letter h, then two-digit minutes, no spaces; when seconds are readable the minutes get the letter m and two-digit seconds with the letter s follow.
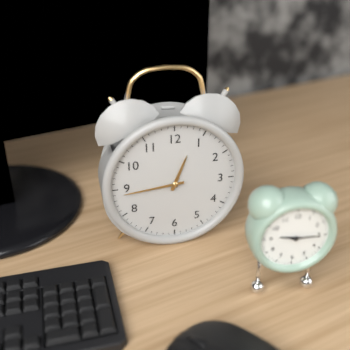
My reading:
12h44
